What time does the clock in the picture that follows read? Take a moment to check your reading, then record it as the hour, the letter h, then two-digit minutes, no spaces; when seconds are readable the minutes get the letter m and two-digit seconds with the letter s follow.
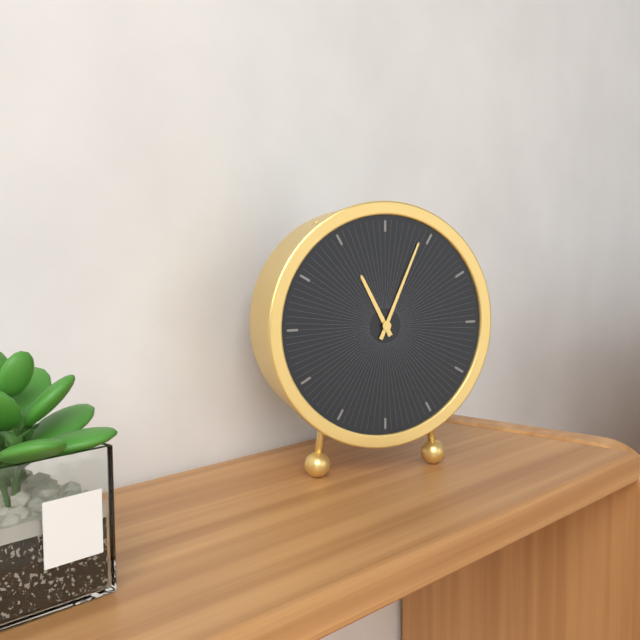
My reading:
11h04
